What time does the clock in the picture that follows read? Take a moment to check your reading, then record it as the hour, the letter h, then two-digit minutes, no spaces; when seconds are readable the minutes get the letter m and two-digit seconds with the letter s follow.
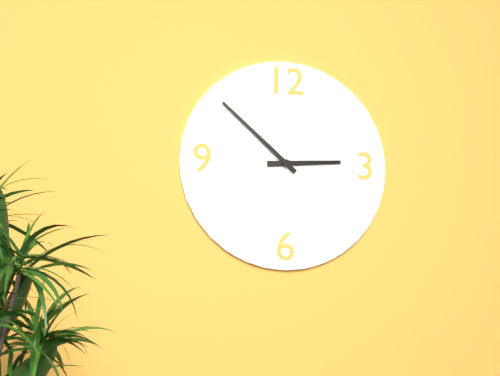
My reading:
2h52
